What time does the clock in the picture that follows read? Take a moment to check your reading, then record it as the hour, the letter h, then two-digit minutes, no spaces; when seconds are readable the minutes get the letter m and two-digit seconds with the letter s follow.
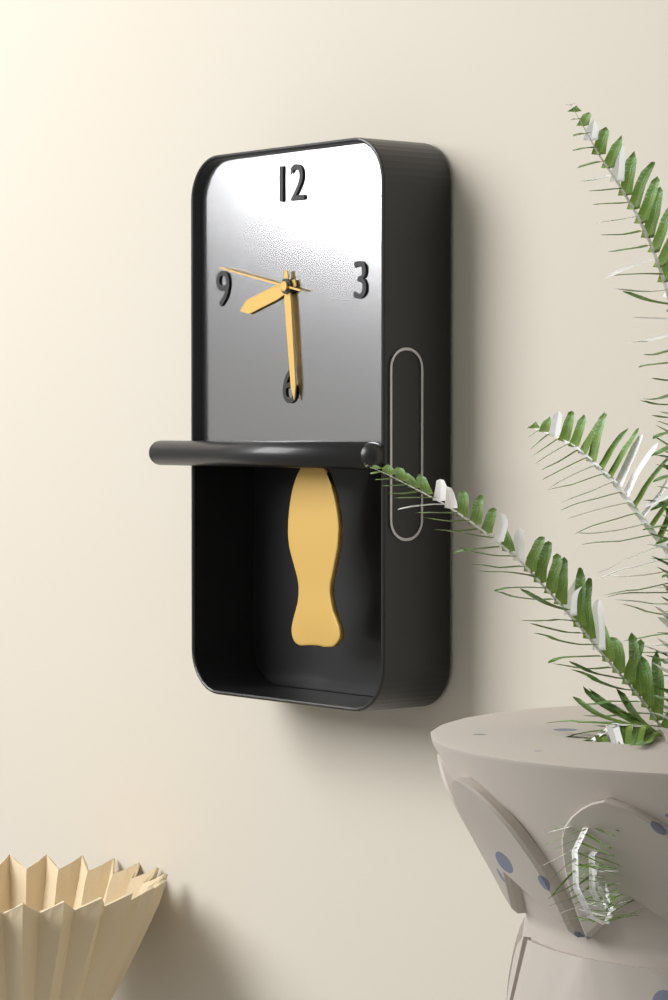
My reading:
8h29m47s
